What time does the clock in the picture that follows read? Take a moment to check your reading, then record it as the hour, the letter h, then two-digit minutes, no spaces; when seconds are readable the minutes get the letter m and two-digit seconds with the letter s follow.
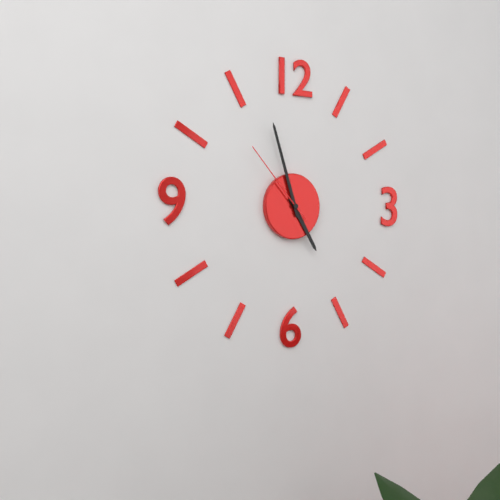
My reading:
4h57m53s
